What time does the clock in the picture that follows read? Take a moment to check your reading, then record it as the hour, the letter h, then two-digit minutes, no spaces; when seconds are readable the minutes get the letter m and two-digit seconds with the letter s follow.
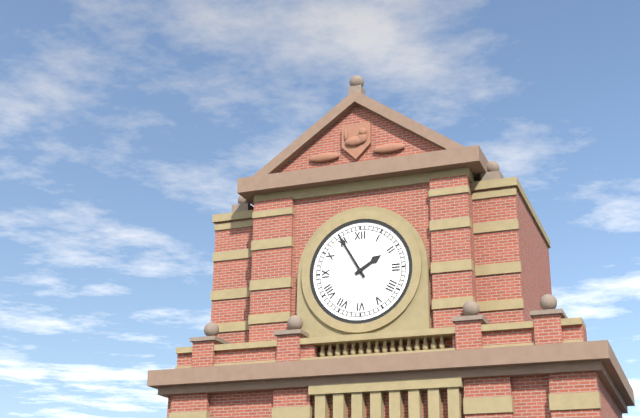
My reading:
1h55
